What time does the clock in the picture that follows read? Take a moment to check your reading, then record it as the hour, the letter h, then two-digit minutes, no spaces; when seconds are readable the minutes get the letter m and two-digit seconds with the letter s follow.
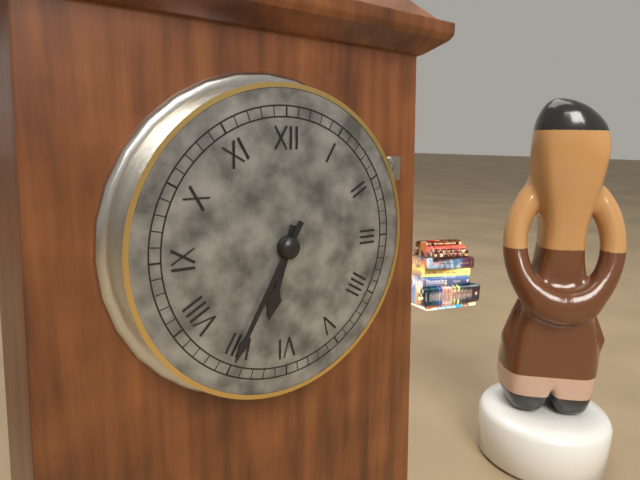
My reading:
6h35
